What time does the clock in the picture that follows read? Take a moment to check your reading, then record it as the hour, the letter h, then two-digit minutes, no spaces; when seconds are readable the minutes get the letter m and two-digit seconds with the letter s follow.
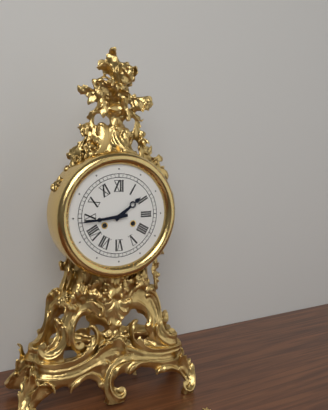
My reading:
1h44
